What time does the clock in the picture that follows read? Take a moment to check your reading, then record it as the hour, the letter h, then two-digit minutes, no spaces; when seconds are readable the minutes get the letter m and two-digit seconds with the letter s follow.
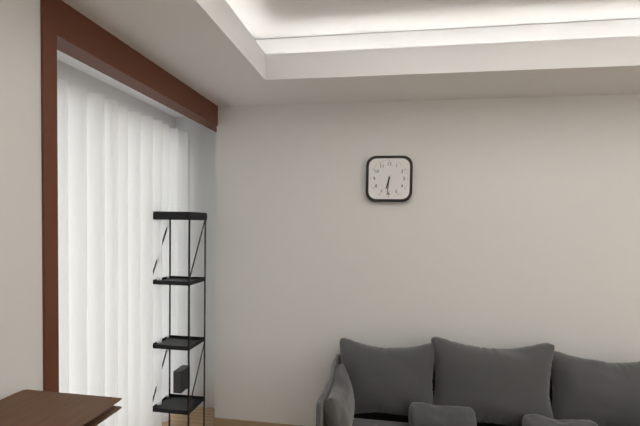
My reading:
6h31
